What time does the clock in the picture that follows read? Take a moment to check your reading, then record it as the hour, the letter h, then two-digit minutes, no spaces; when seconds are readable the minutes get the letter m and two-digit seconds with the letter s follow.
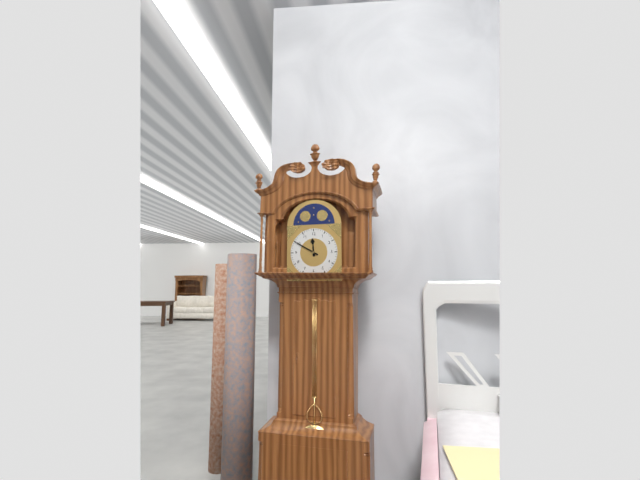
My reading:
11h50
